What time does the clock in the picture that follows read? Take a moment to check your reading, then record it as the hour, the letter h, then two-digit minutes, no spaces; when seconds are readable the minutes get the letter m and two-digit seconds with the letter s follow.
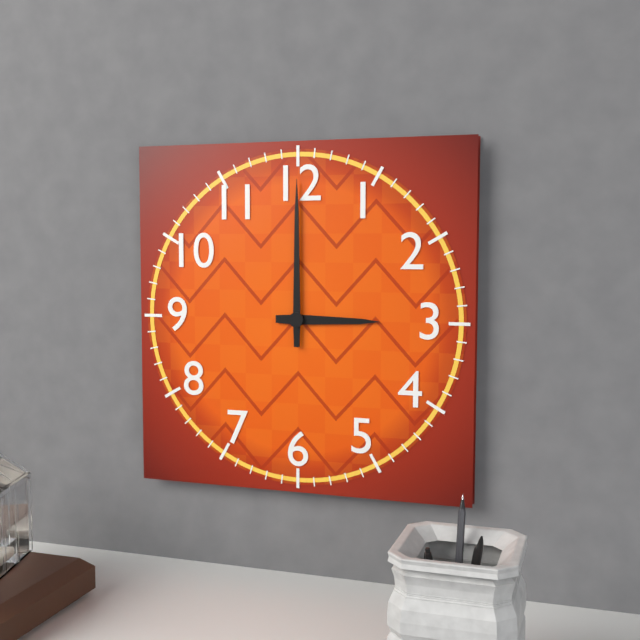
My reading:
3h00
